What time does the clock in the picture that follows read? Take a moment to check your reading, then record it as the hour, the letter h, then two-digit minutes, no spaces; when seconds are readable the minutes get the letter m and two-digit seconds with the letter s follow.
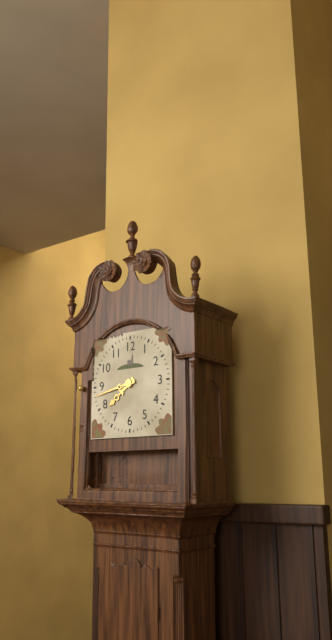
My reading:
7h43
